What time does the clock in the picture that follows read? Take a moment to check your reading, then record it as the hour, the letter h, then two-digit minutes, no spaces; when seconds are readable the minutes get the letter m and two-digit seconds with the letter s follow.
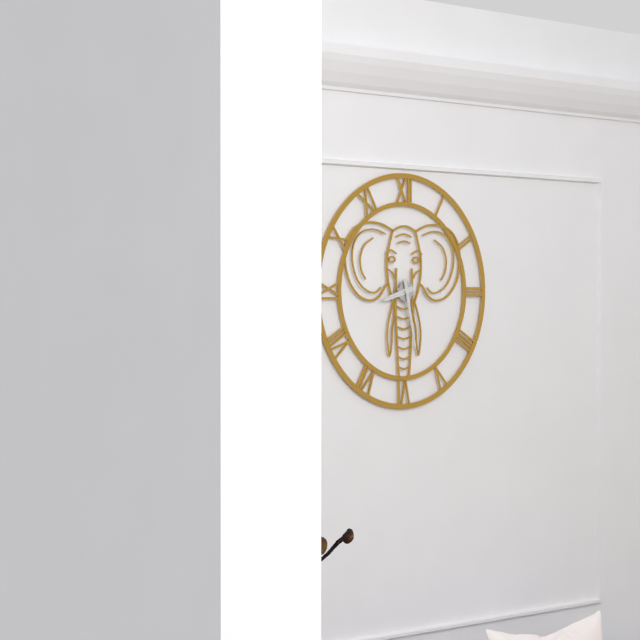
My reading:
8h28
